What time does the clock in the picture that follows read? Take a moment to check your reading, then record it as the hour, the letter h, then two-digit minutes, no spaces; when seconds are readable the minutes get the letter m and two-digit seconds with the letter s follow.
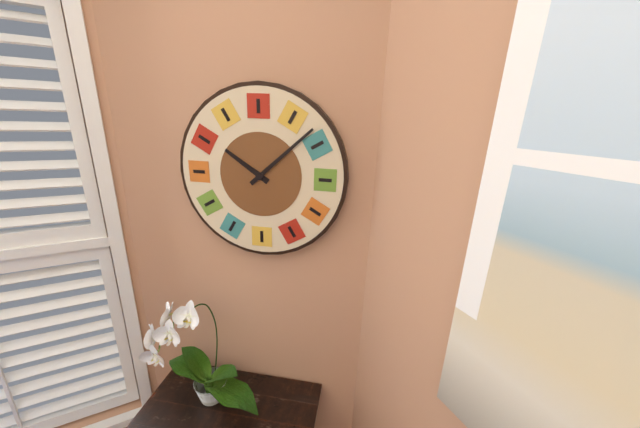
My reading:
10h08
